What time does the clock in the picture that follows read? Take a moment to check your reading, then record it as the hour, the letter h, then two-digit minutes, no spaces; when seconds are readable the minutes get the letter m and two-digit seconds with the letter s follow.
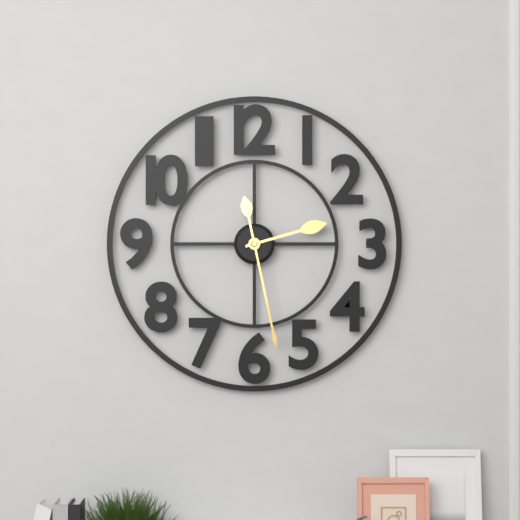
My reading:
2h28
